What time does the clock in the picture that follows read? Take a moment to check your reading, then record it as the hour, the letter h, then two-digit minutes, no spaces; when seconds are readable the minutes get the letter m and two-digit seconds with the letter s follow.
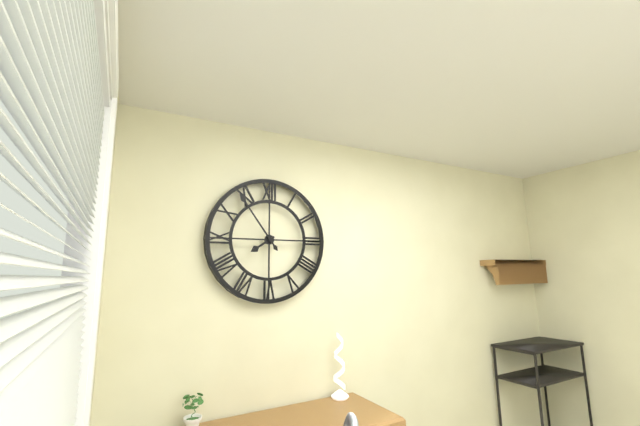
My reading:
7h54
